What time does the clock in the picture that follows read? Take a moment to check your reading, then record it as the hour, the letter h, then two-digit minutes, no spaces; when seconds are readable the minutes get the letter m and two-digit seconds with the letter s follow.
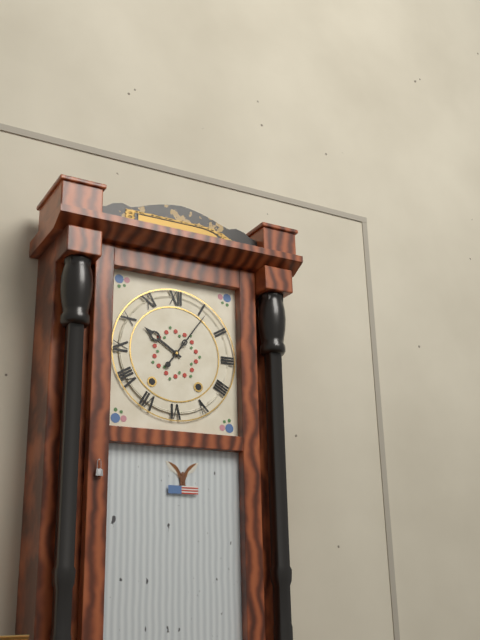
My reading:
10h06
